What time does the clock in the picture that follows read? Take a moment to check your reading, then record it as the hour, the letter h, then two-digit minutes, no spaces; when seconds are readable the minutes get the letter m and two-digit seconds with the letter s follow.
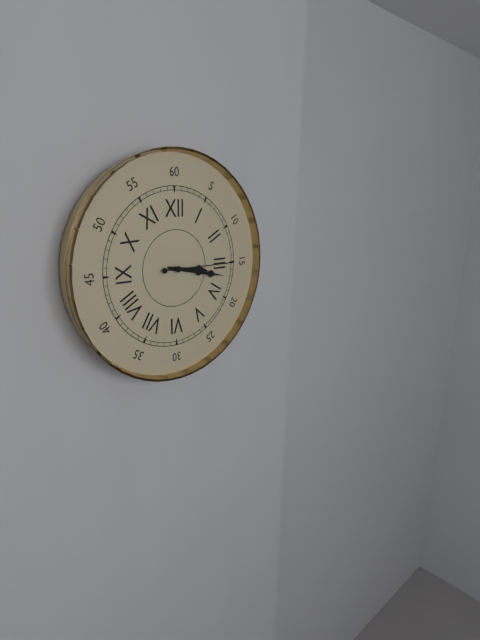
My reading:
3h17m15s
